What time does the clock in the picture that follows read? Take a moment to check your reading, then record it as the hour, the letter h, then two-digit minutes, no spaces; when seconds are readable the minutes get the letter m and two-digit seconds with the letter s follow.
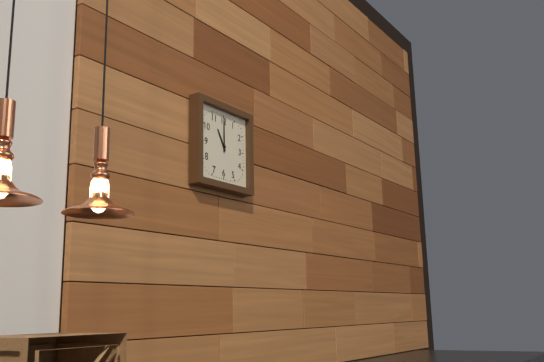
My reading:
11h00
